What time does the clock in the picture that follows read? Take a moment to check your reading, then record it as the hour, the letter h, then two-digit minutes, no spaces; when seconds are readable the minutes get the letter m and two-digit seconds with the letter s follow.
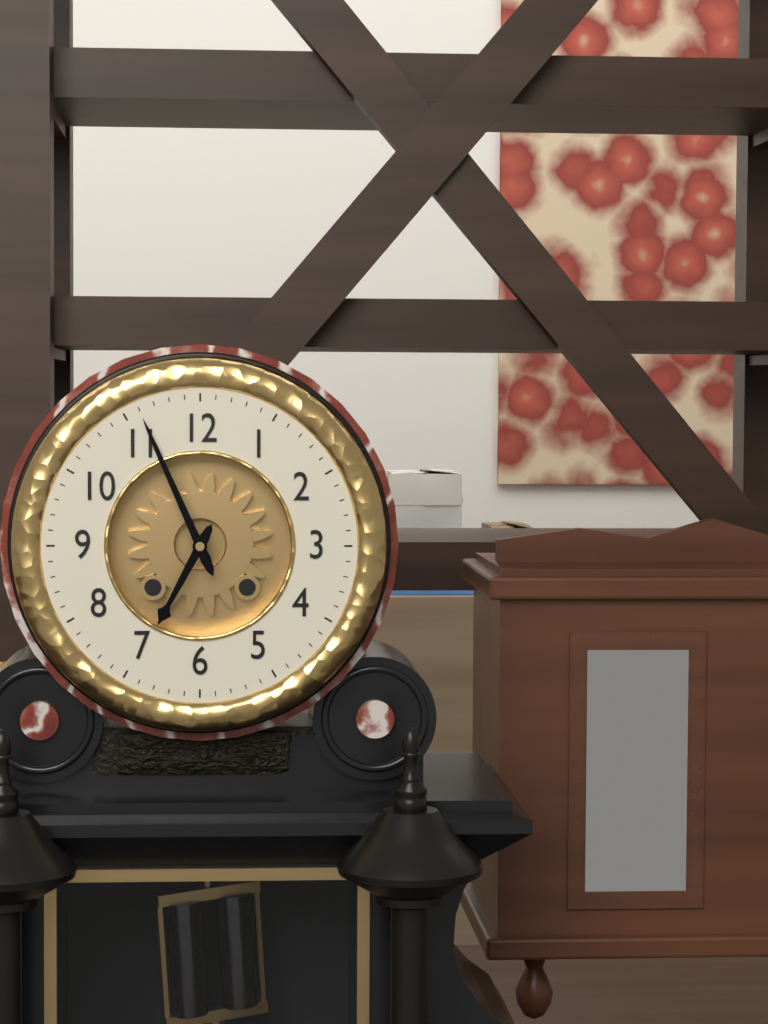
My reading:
6h56
